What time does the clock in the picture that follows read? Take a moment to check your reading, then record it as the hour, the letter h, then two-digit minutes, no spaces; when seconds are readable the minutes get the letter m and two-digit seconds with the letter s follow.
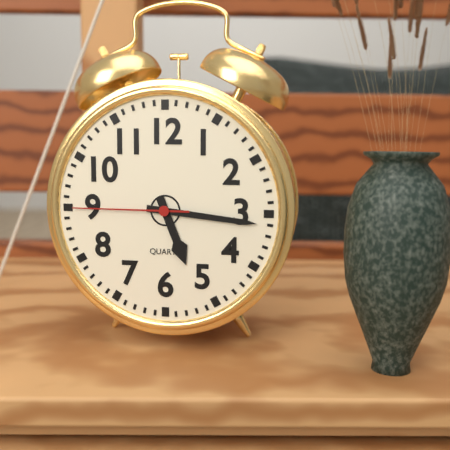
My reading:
5h16m45s
